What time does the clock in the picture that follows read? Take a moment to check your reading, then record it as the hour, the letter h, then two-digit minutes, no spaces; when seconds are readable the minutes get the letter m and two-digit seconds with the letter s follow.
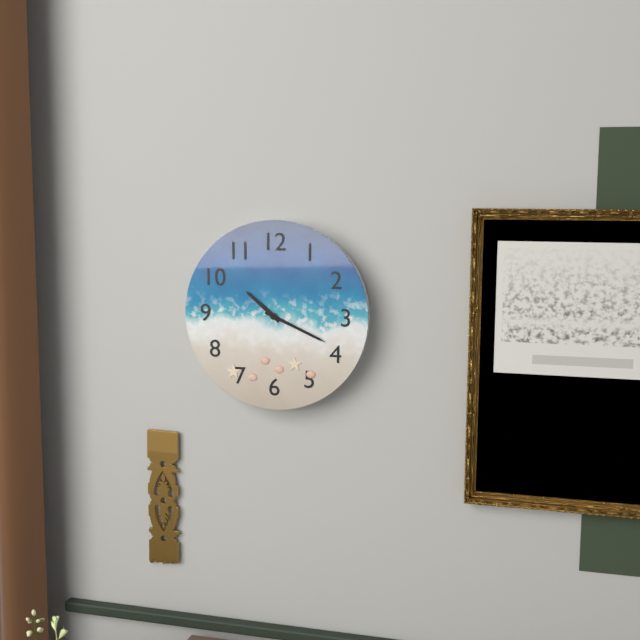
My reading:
10h19
